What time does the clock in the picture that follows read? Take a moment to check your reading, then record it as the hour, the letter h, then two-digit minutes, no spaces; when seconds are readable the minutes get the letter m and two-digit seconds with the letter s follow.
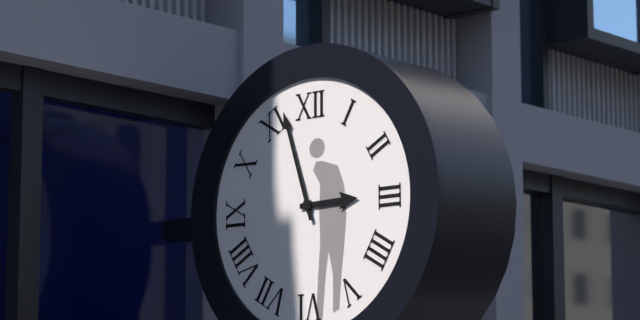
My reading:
2h57
